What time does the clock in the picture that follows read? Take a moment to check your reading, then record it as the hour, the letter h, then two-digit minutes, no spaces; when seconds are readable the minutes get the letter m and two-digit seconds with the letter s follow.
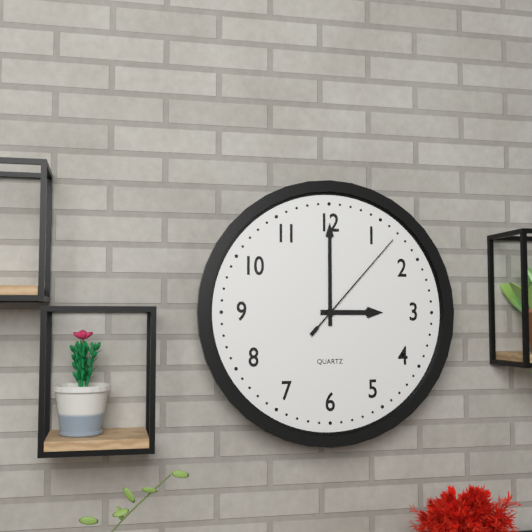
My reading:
3h00m07s
